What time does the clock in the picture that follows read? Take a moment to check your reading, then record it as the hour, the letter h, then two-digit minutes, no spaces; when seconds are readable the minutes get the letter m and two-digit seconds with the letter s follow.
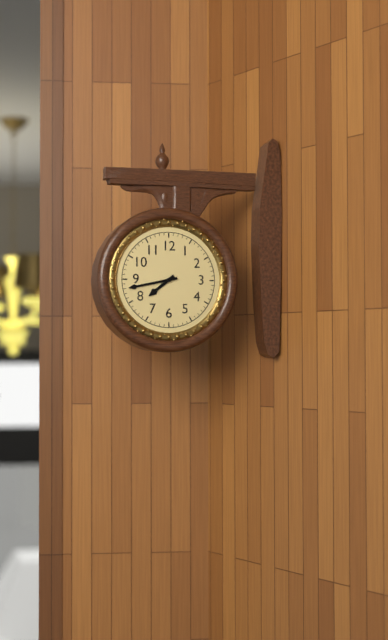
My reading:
7h43
